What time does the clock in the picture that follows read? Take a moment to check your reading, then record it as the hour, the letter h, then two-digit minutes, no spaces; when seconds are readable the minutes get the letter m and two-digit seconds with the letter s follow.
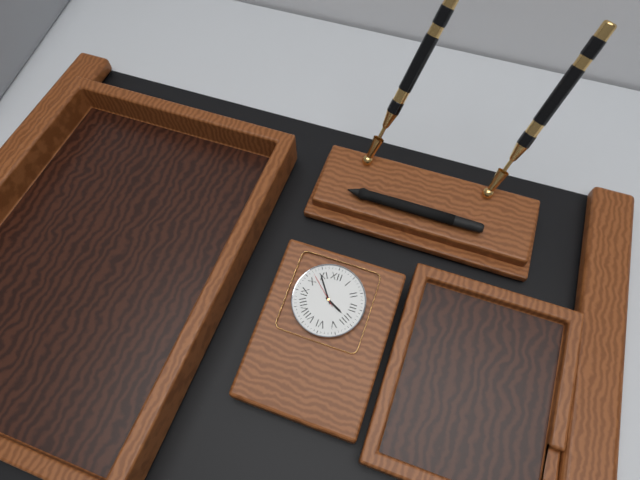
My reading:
3h54
